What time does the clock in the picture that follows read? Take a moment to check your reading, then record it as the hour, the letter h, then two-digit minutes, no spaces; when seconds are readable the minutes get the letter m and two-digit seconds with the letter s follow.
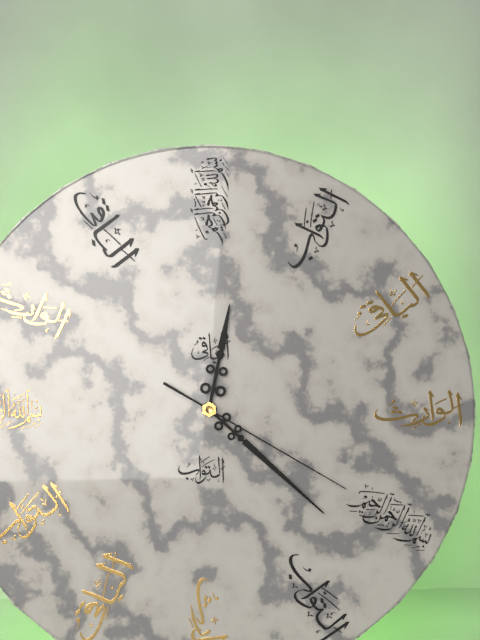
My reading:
12h22m20s
